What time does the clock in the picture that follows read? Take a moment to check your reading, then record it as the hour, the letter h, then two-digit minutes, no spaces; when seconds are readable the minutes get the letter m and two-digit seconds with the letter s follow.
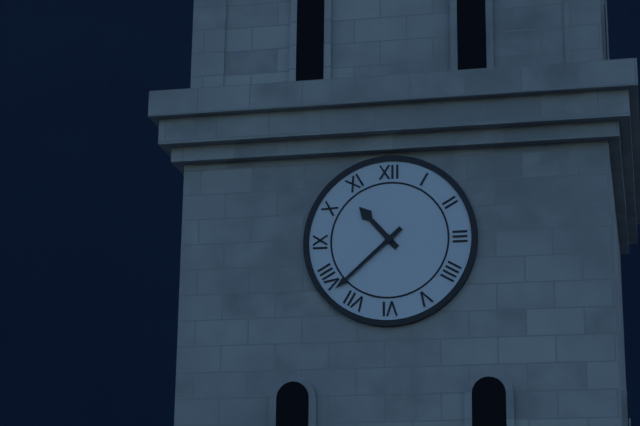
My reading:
10h38
